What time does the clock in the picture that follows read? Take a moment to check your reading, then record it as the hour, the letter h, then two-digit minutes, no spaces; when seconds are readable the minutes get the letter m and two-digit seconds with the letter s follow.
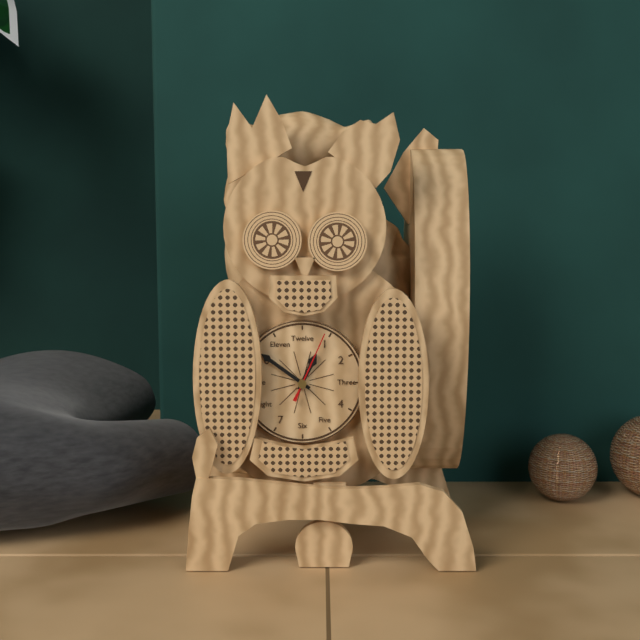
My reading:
12h51m04s
